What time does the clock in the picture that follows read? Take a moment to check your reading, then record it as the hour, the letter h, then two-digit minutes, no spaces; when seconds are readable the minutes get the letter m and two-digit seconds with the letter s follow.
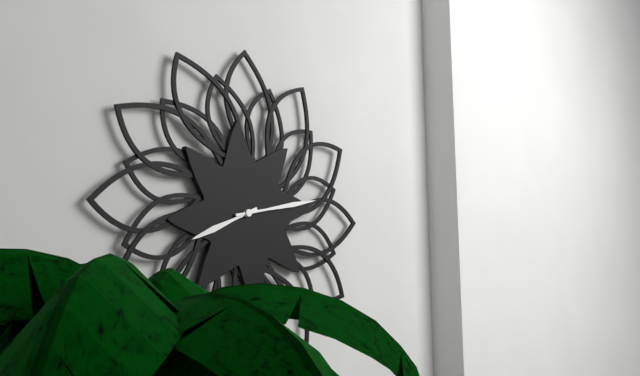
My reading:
8h13
